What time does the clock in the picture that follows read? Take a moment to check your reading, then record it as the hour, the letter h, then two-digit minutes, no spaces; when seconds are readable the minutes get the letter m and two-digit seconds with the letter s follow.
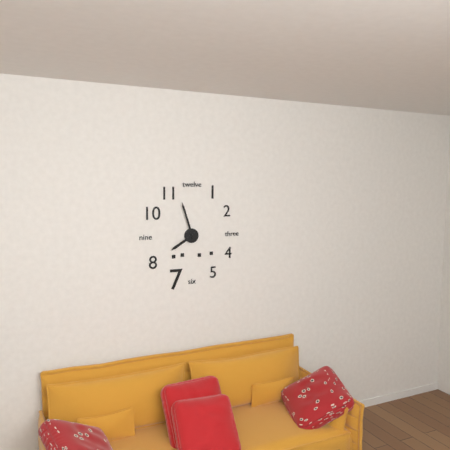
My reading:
7h57
